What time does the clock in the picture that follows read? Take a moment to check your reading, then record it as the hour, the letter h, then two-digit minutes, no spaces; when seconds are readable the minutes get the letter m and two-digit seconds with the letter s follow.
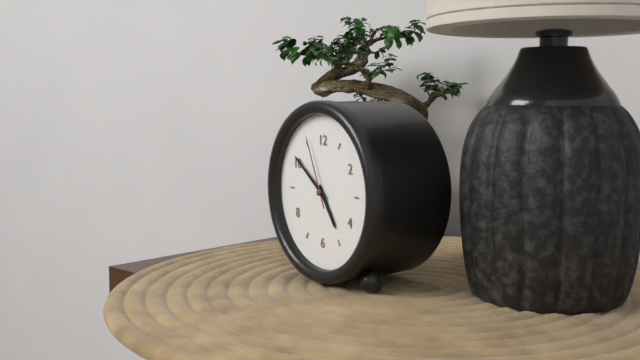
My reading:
4h51m56s
